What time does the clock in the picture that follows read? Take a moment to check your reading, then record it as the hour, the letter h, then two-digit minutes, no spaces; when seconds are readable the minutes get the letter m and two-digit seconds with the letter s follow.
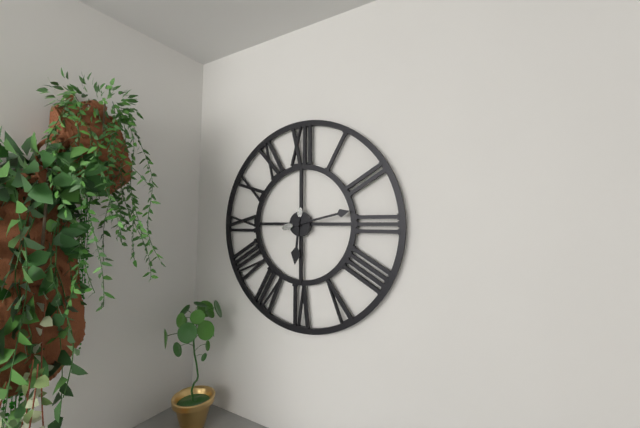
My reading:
6h13
